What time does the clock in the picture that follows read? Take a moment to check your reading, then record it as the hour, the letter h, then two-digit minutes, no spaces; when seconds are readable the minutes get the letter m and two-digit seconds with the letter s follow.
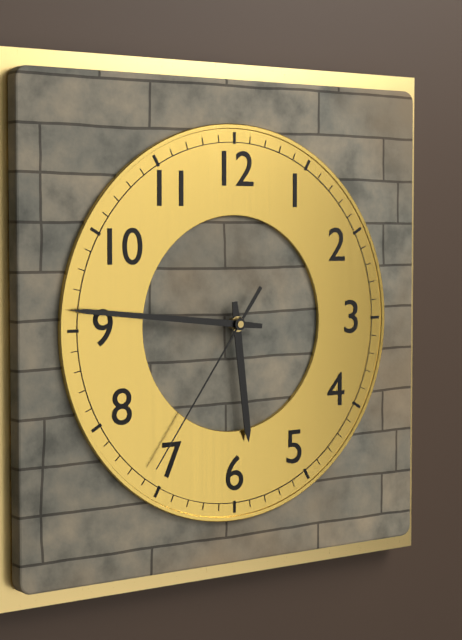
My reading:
5h46m36s
